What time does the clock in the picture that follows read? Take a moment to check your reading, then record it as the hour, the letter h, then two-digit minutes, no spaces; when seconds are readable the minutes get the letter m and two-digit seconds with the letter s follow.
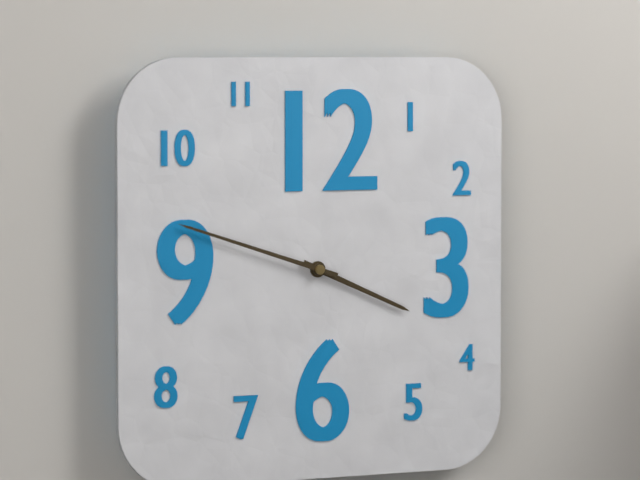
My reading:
3h48
